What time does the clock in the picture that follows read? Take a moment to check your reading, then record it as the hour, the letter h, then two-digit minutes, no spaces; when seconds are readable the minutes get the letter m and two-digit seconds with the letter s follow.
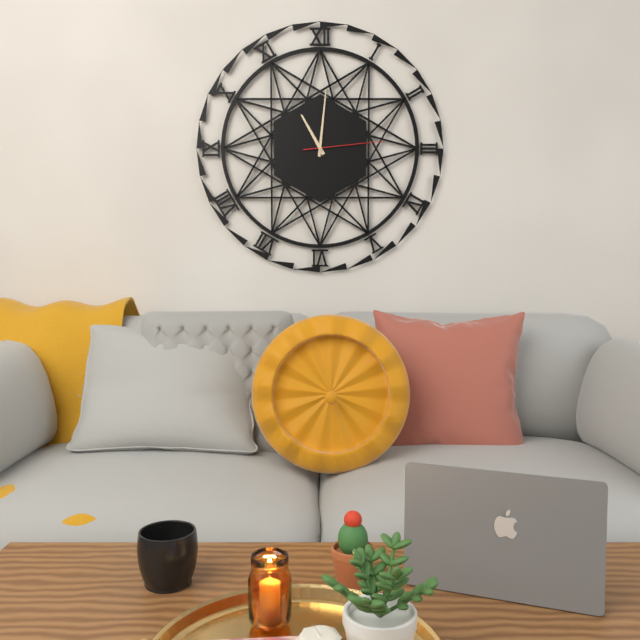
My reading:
11h01m14s
